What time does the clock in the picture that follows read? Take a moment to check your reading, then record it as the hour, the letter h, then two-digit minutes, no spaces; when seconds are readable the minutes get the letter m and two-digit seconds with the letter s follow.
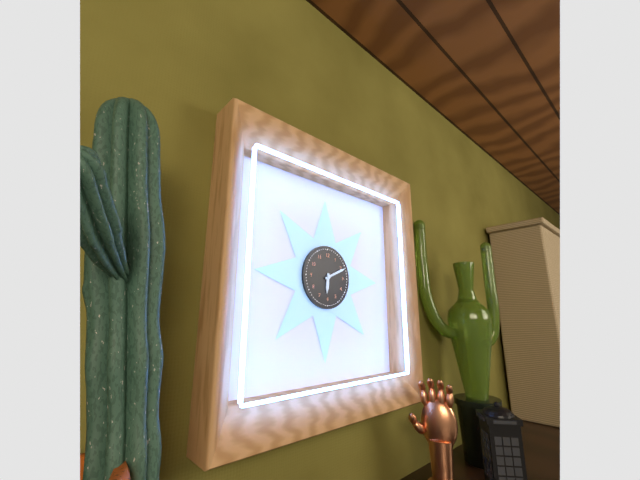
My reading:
6h11
